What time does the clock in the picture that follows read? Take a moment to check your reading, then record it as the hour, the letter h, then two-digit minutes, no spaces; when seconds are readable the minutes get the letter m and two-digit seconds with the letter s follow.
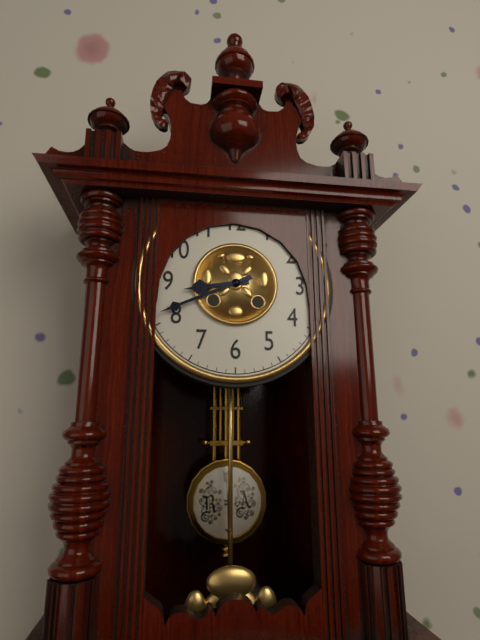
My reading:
8h41
